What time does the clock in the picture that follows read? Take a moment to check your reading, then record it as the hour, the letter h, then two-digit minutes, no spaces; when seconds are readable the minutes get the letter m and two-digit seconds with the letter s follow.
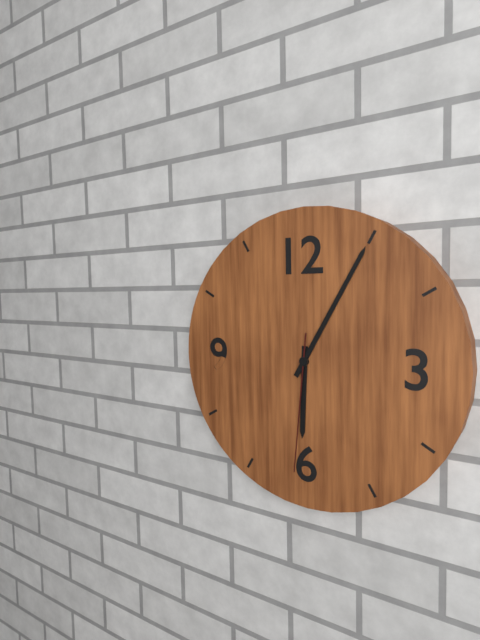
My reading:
6h05m31s
